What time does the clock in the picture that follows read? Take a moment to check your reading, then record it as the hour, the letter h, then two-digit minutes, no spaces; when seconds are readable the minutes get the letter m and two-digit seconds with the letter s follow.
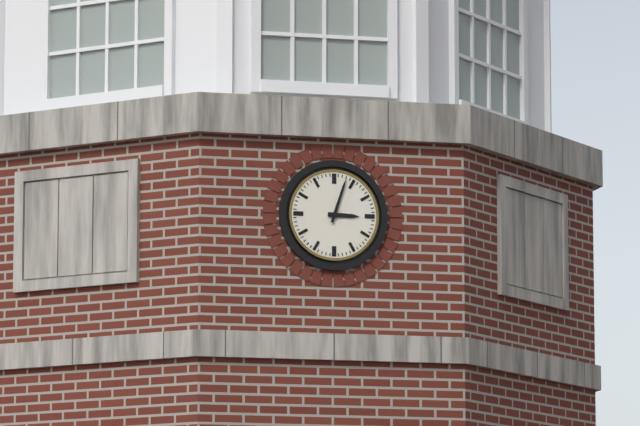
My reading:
3h03
